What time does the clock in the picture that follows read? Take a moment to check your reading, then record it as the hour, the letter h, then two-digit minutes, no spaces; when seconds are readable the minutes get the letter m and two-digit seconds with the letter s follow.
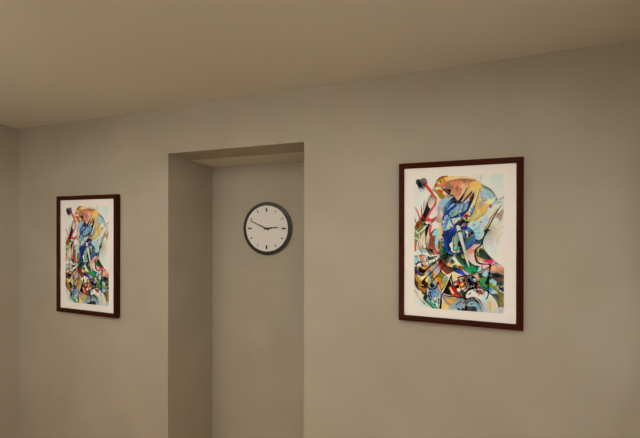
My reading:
2h49
